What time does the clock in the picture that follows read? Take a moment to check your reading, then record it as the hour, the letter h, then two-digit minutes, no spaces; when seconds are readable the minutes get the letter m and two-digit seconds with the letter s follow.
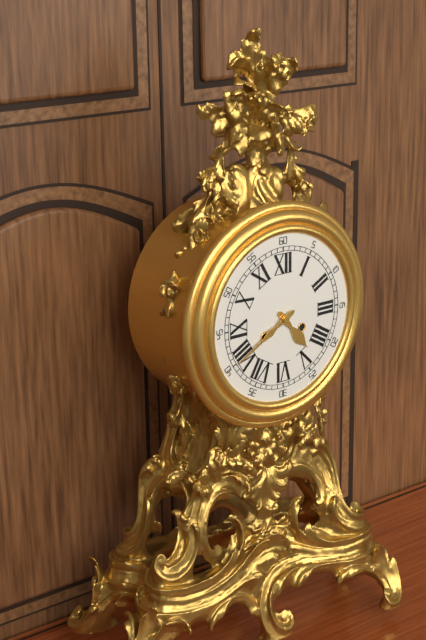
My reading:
4h40
